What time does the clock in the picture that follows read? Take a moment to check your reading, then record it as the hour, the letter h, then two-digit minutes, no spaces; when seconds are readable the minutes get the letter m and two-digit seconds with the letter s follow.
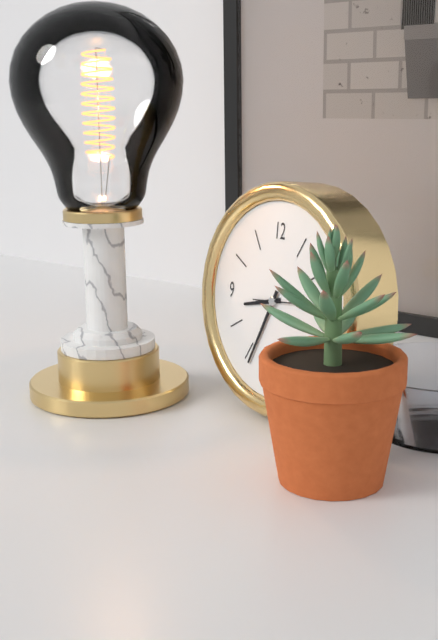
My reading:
8h34
